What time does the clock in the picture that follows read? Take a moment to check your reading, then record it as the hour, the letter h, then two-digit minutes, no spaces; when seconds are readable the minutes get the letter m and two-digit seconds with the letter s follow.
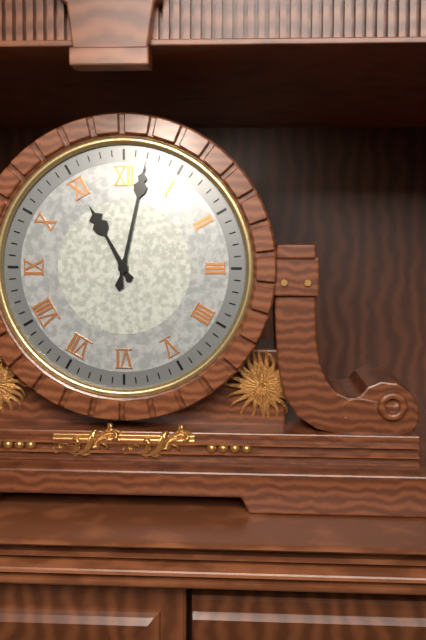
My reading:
11h02
